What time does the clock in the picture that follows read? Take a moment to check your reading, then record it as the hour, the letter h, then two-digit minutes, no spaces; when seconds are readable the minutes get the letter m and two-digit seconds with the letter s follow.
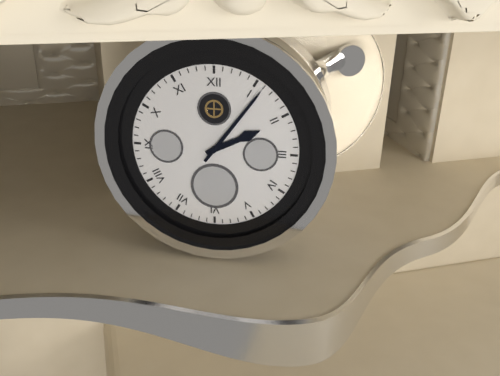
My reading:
2h06
